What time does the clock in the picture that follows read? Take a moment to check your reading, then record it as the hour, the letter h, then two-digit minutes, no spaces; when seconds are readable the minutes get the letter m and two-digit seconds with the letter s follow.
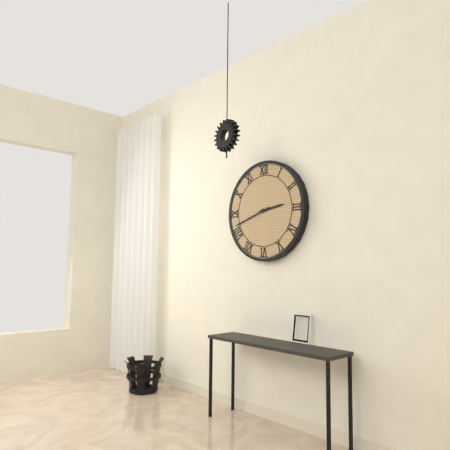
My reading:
2h42
